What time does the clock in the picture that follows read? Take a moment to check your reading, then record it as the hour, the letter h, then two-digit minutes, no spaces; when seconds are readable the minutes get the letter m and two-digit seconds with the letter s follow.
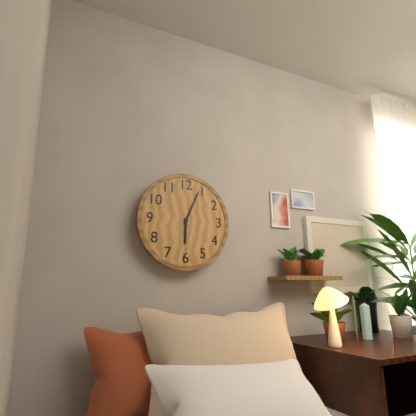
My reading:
6h04
